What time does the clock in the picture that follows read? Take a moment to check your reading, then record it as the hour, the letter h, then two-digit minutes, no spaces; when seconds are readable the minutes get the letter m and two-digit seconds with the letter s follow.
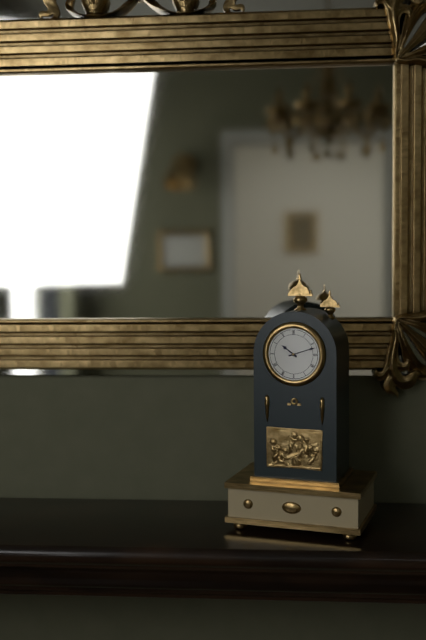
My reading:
10h12
